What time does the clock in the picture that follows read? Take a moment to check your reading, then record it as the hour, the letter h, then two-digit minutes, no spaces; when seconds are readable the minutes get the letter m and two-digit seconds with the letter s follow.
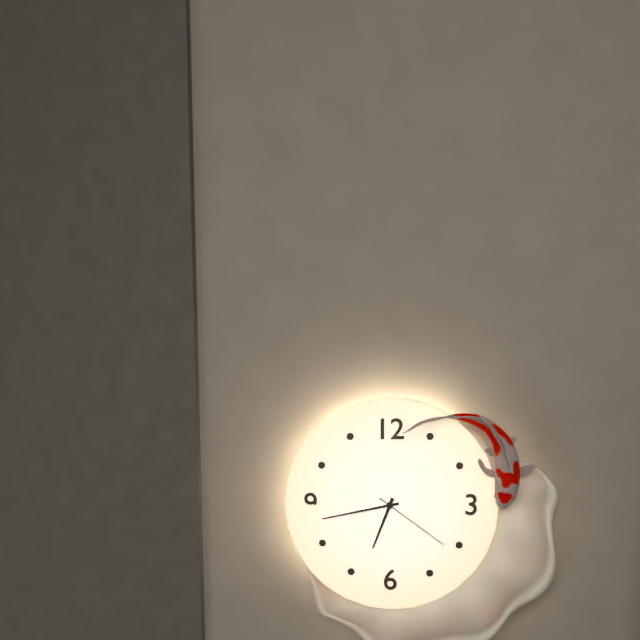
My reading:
6h43m21s
